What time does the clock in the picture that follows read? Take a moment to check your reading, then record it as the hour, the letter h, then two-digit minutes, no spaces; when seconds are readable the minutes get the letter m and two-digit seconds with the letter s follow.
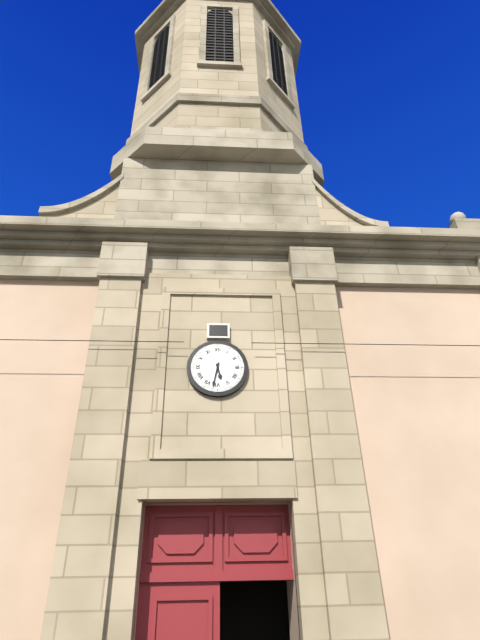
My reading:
5h32
